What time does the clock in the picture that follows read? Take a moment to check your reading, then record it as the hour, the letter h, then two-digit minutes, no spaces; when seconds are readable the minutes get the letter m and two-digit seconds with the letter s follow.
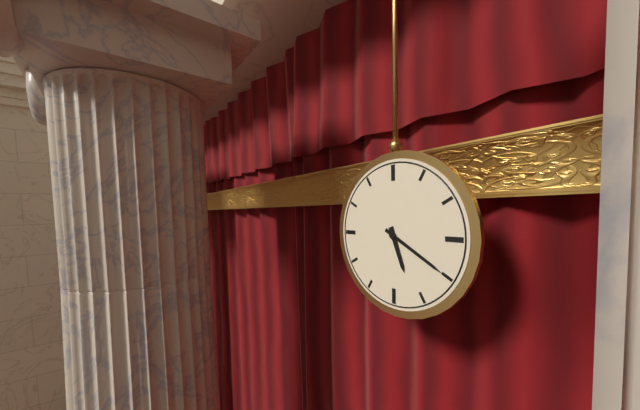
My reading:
5h20
